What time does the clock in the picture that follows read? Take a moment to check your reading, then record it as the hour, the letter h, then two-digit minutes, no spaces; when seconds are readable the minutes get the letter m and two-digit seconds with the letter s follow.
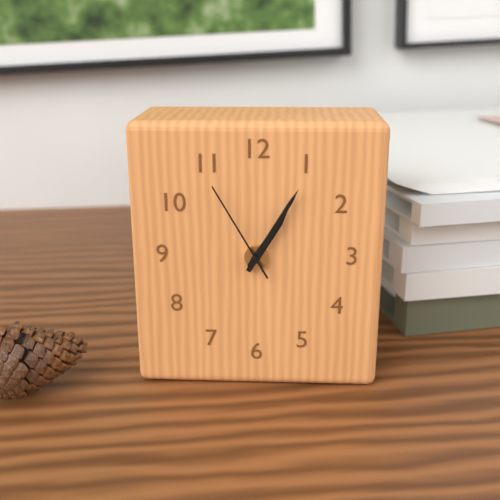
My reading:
1h05m55s
